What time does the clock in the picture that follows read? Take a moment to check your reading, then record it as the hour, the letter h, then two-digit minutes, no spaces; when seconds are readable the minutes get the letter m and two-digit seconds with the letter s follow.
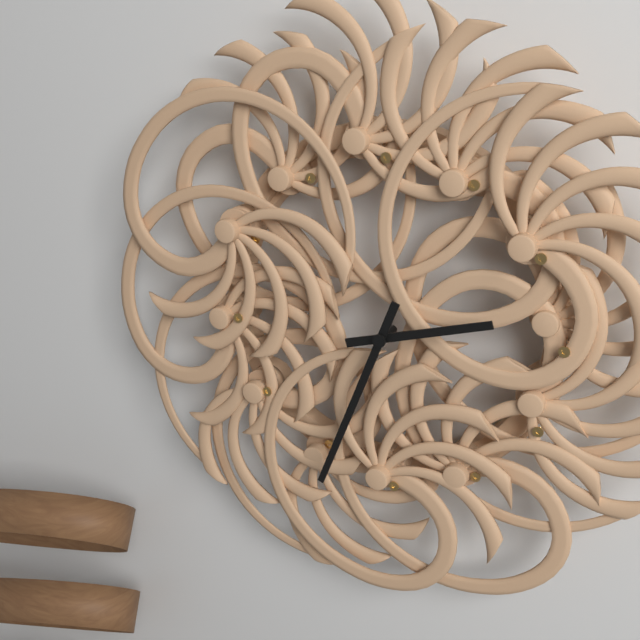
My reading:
2h34
